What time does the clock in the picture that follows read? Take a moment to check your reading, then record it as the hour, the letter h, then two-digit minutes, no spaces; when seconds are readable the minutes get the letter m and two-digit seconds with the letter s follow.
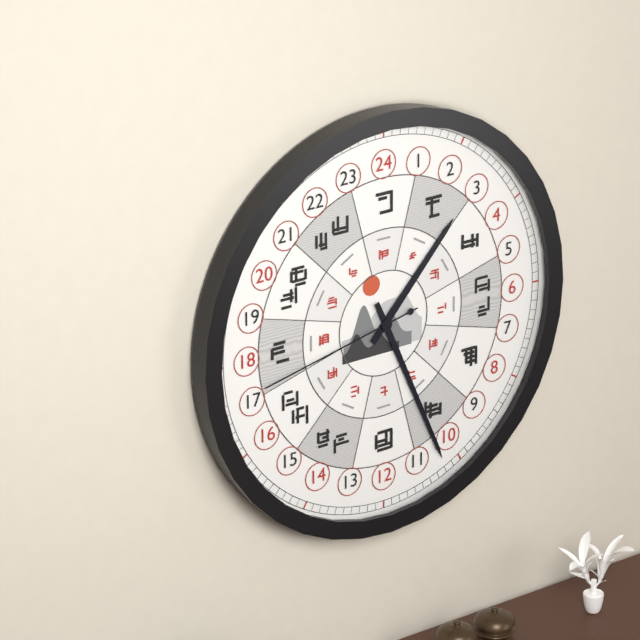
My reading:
1h26m43s
